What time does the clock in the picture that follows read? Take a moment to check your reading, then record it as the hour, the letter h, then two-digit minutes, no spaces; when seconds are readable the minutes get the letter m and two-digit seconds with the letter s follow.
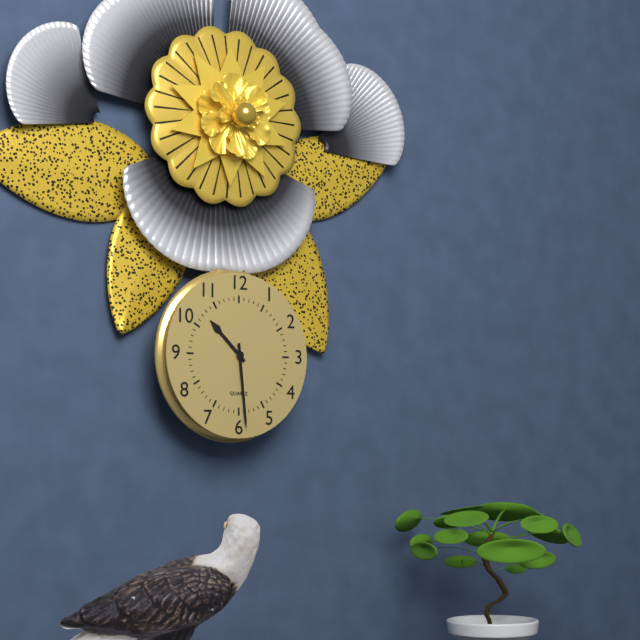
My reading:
10h29
